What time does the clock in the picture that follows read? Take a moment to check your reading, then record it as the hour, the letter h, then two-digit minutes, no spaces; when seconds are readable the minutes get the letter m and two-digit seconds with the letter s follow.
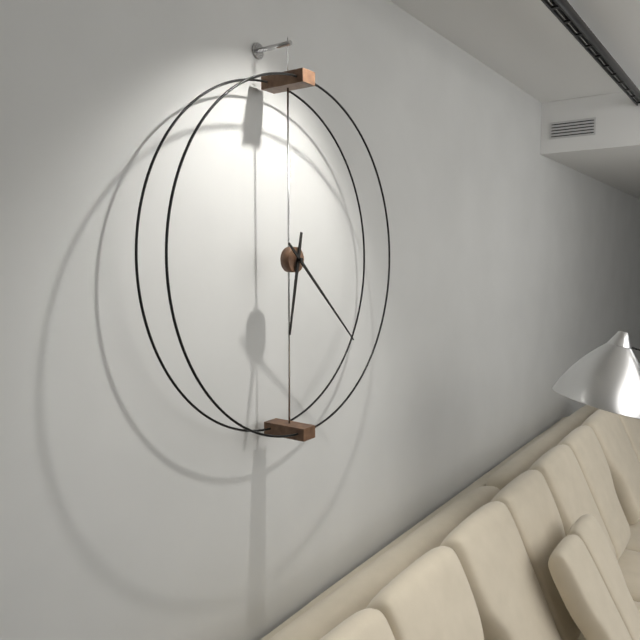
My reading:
6h22
